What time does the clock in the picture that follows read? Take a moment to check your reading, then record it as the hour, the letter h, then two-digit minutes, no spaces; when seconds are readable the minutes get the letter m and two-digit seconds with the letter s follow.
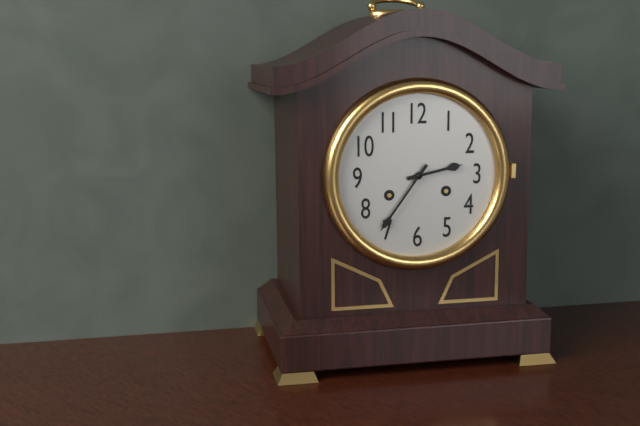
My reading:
2h36
